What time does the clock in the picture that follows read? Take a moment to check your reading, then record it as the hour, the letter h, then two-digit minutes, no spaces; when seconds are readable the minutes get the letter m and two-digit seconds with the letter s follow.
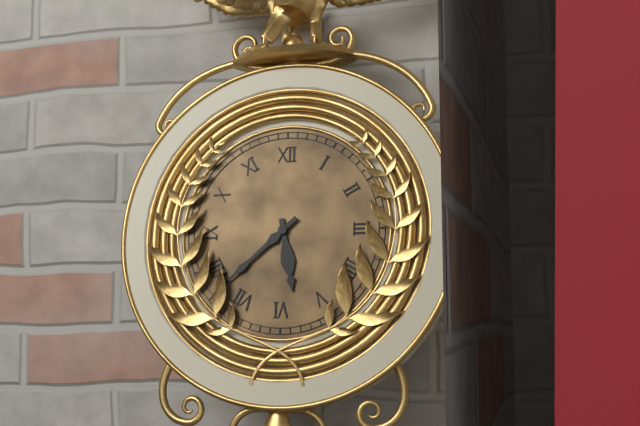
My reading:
5h38
